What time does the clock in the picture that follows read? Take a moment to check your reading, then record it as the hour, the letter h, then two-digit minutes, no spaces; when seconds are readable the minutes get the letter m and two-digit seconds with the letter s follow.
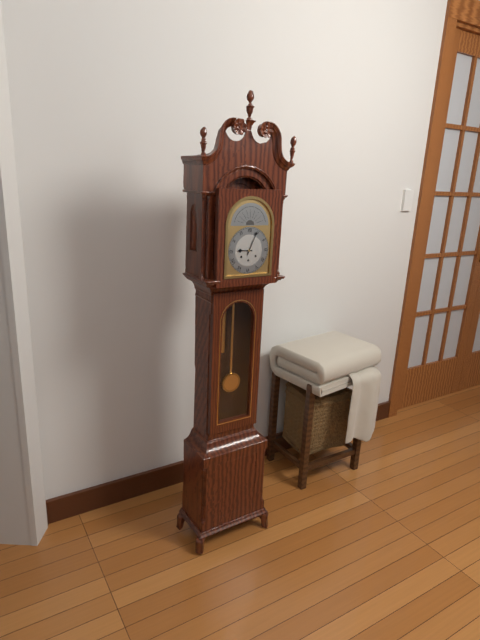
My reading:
9h04
